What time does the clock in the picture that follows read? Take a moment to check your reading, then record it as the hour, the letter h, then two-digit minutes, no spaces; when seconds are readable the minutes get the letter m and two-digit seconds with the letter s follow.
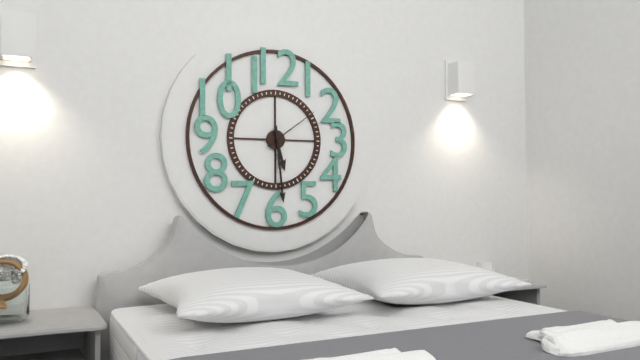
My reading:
5h29m09s
